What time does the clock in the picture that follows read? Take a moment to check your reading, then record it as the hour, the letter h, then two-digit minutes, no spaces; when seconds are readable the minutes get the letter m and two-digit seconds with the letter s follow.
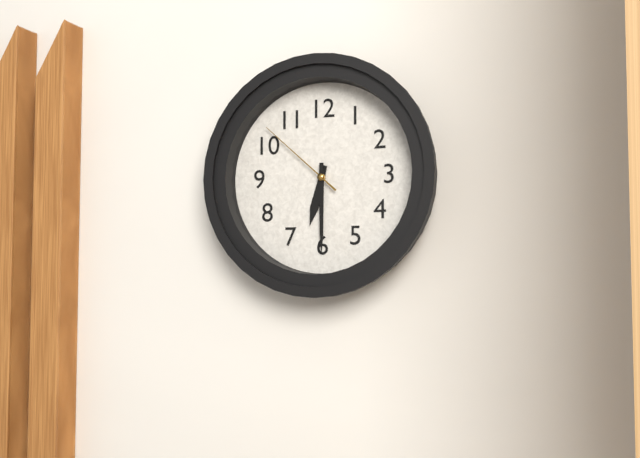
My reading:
6h30m52s
